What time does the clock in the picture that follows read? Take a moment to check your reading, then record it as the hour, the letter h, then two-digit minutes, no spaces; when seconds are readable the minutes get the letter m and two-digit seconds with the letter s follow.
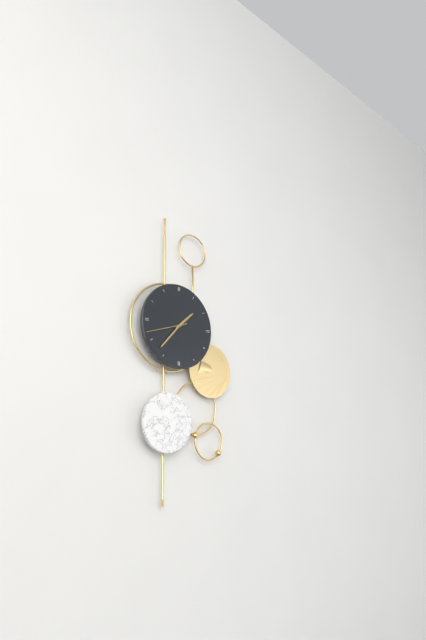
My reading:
1h37
